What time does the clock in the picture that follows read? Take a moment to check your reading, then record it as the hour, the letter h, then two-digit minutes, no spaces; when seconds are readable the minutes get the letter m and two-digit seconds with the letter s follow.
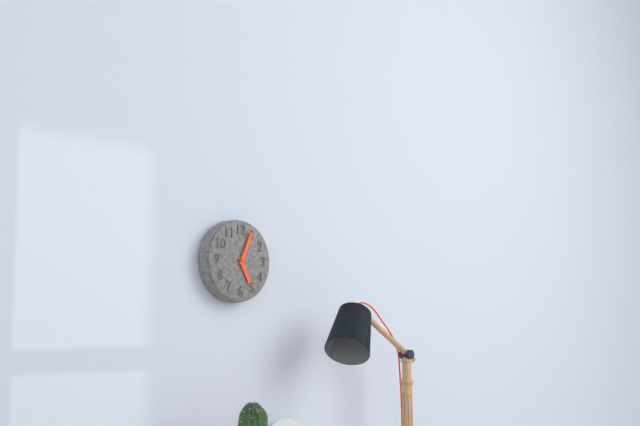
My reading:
5h04
